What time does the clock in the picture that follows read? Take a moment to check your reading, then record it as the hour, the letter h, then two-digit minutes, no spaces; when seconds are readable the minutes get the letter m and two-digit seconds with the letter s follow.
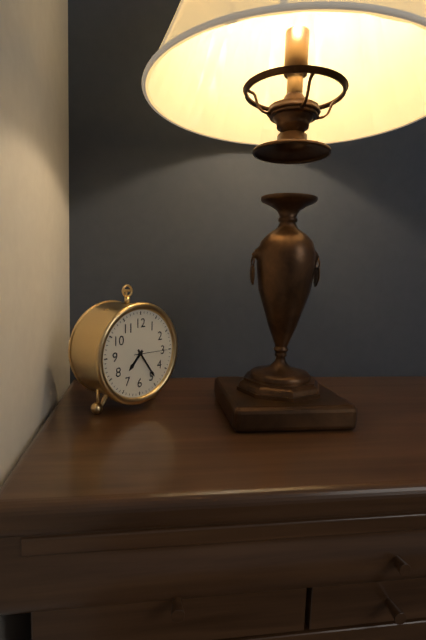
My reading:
7h24
